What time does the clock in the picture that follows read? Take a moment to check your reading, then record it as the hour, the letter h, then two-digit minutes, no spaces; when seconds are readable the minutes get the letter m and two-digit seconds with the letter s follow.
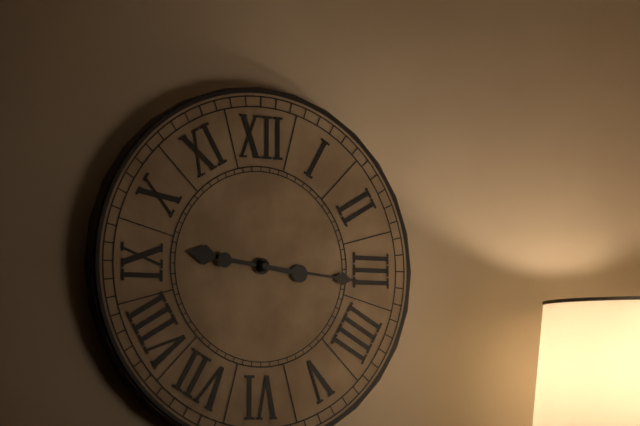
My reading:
9h16
